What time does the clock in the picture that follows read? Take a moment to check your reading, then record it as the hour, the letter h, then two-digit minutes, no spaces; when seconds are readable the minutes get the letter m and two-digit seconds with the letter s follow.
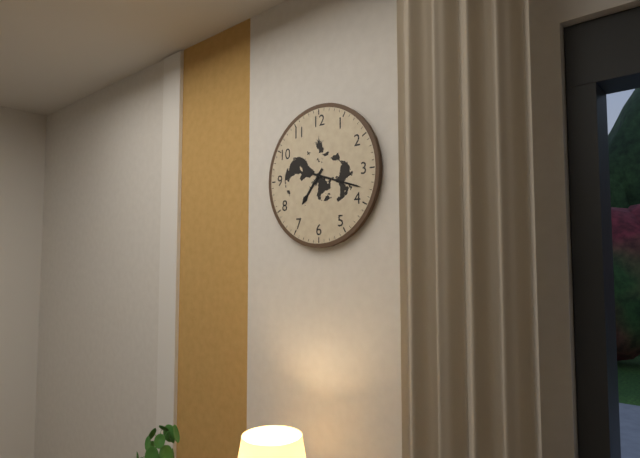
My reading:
7h18
